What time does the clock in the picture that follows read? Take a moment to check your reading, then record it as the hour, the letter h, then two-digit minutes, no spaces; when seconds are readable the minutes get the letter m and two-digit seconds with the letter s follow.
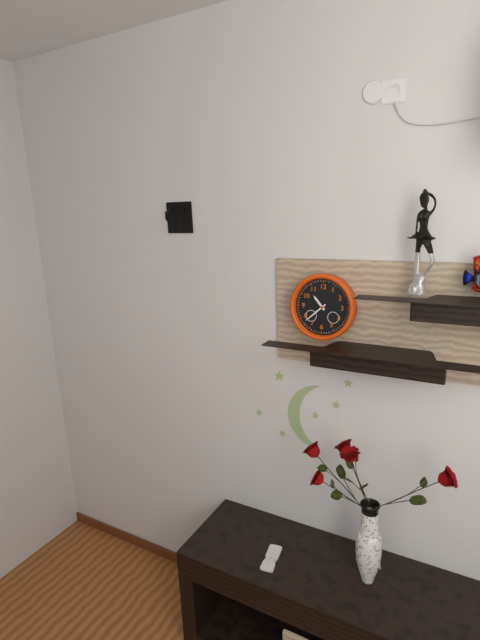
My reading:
10h38
